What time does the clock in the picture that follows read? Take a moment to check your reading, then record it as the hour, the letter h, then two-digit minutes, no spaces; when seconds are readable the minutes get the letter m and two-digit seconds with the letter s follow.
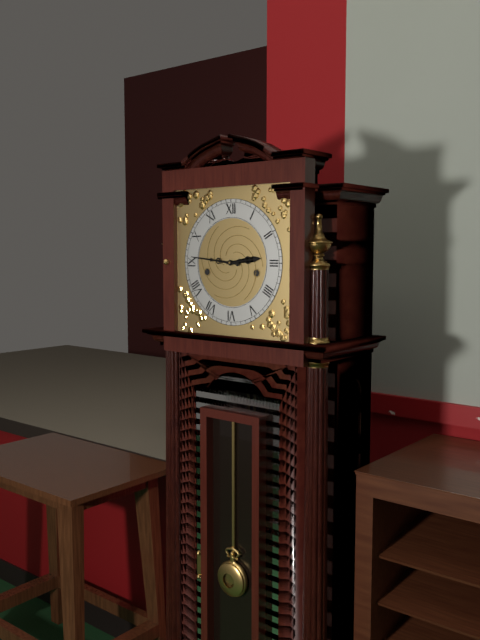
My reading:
2h46
